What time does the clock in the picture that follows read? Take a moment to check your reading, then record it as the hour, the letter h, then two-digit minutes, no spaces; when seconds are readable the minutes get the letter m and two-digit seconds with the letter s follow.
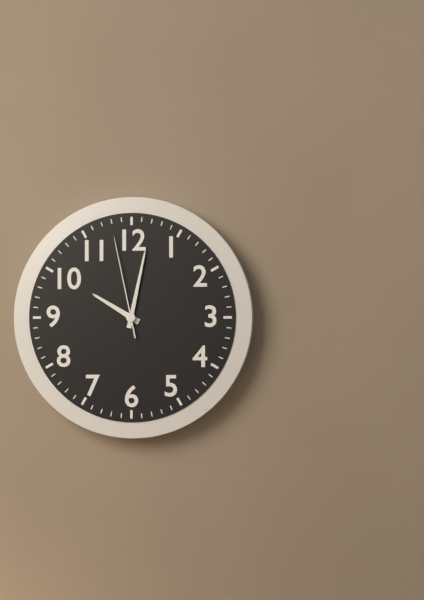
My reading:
10h02m58s
